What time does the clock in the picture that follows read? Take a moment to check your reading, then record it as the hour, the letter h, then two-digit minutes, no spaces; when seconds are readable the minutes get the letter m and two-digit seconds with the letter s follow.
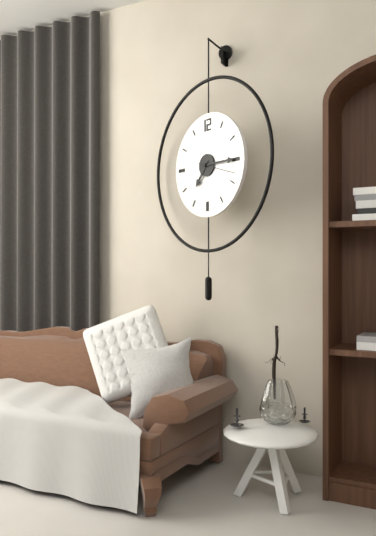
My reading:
7h15
